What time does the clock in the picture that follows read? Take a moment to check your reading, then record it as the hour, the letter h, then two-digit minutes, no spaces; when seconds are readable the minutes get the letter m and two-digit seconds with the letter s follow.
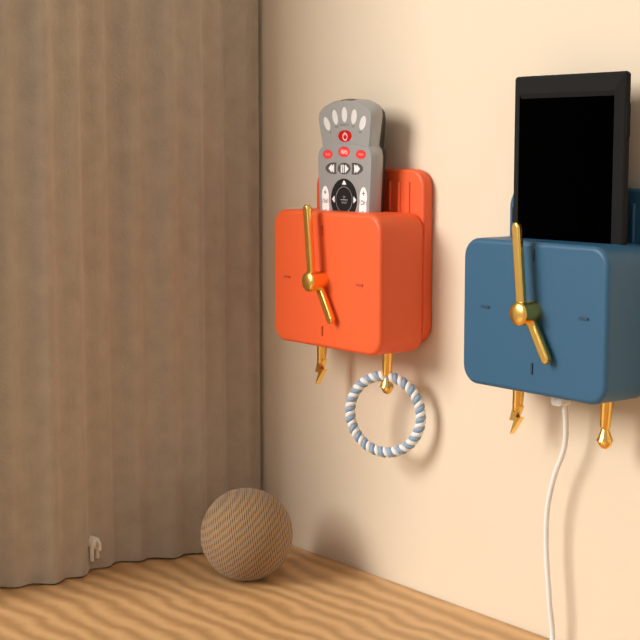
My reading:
4h59
